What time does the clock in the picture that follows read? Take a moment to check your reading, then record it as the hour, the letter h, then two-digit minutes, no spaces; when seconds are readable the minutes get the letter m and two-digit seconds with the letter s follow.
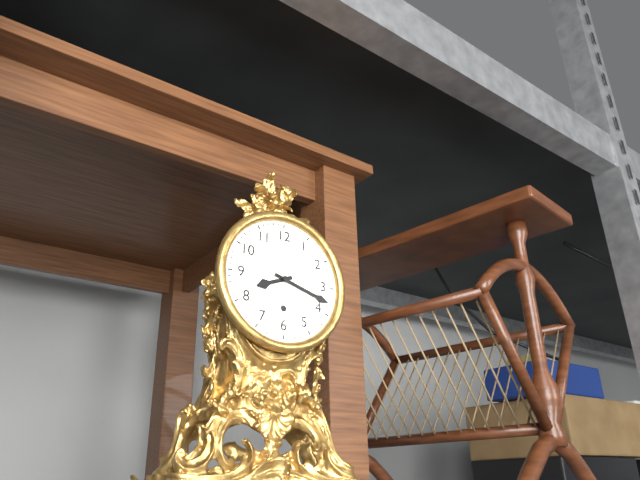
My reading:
8h18
